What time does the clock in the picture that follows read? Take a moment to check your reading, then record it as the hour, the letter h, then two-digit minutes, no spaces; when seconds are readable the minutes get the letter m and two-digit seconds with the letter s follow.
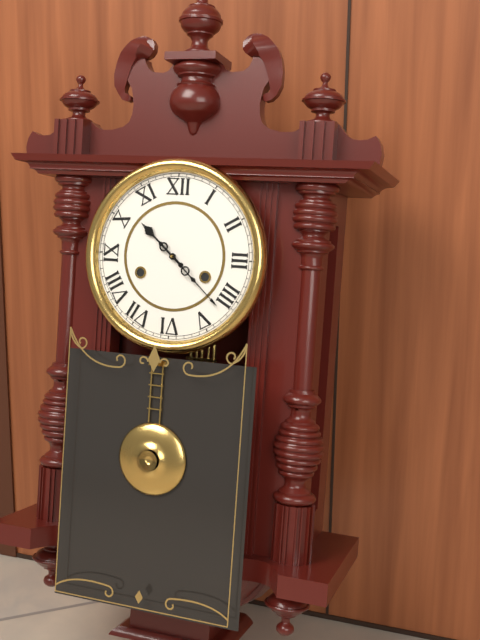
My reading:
10h22
